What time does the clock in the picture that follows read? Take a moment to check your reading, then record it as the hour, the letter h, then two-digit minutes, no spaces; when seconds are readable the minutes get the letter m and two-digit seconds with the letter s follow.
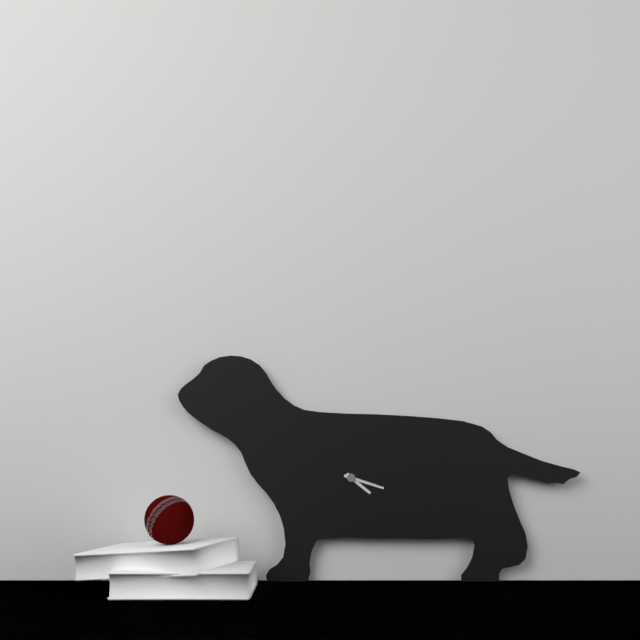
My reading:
4h18
